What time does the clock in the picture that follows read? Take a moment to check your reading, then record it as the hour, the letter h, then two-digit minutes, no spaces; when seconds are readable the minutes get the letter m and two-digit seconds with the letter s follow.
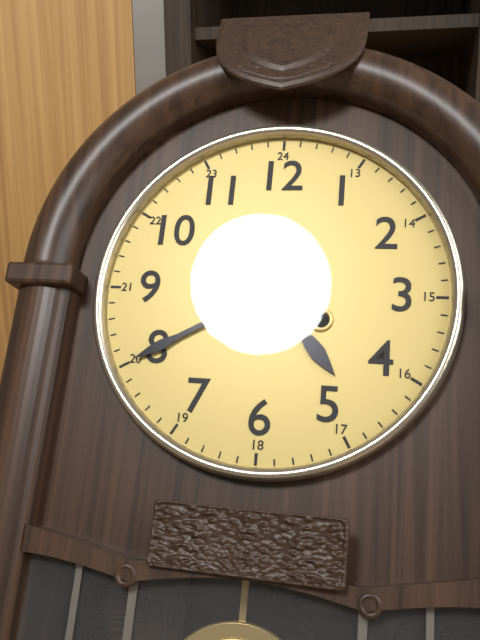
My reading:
4h40
